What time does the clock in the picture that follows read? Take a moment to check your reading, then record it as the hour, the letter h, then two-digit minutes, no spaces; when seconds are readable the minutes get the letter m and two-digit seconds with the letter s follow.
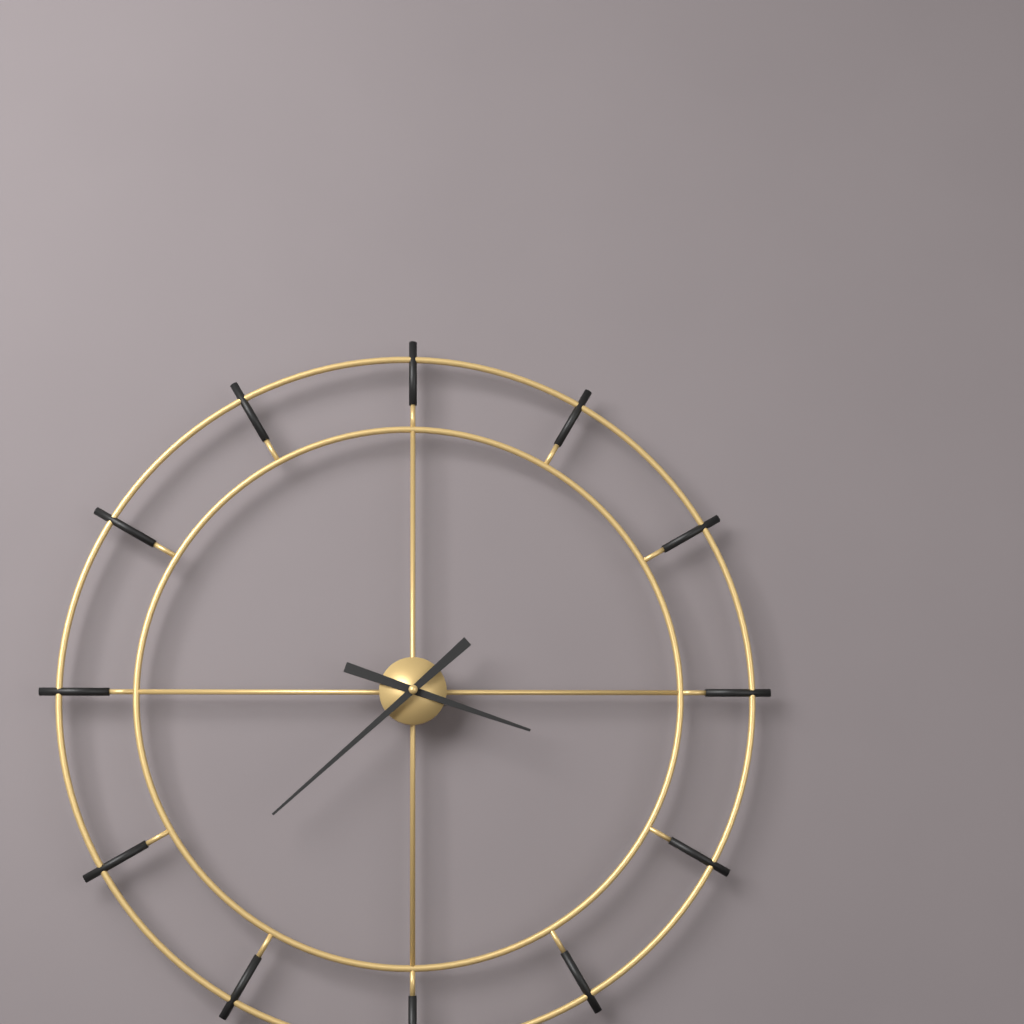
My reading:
3h38
